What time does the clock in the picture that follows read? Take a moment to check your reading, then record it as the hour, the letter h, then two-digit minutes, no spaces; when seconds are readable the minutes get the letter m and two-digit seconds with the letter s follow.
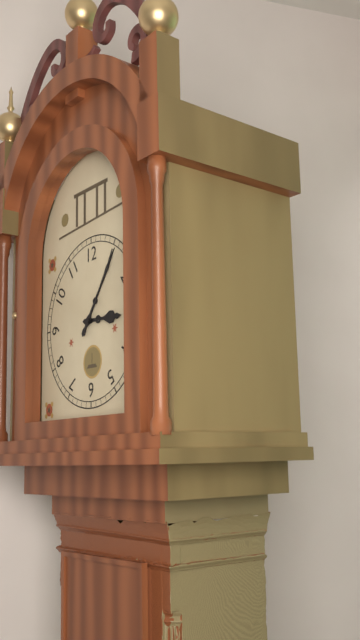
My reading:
3h06
